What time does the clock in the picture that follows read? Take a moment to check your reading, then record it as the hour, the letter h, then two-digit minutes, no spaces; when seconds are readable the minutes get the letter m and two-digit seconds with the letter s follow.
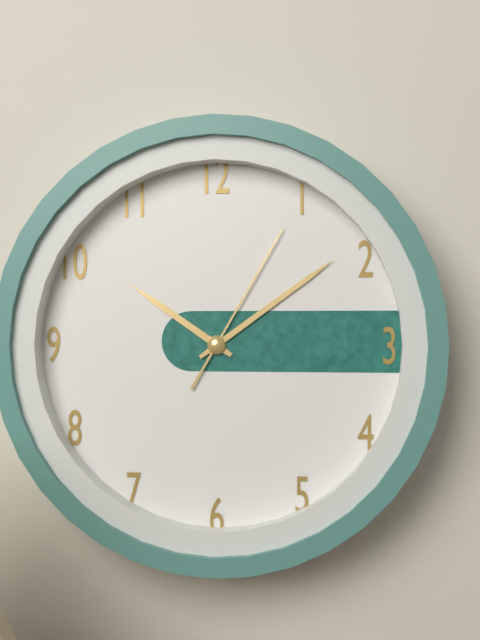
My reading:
10h09m05s
